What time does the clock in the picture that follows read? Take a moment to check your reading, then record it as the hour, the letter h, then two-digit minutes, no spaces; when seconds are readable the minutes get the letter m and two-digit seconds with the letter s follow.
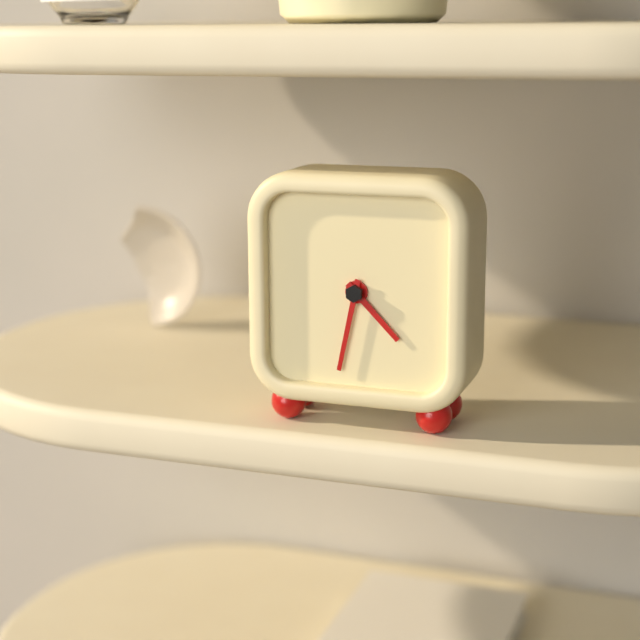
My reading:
4h32
